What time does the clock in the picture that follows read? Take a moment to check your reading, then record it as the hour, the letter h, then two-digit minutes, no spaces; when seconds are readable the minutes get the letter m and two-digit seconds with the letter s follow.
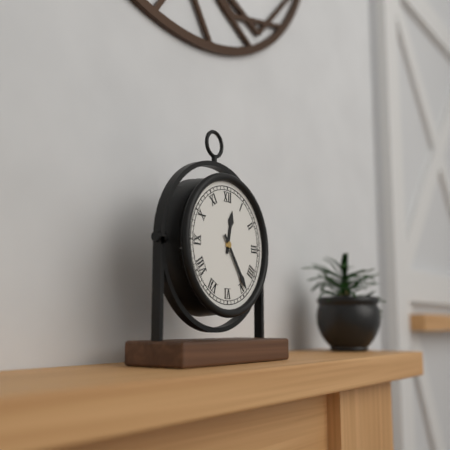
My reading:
12h24
